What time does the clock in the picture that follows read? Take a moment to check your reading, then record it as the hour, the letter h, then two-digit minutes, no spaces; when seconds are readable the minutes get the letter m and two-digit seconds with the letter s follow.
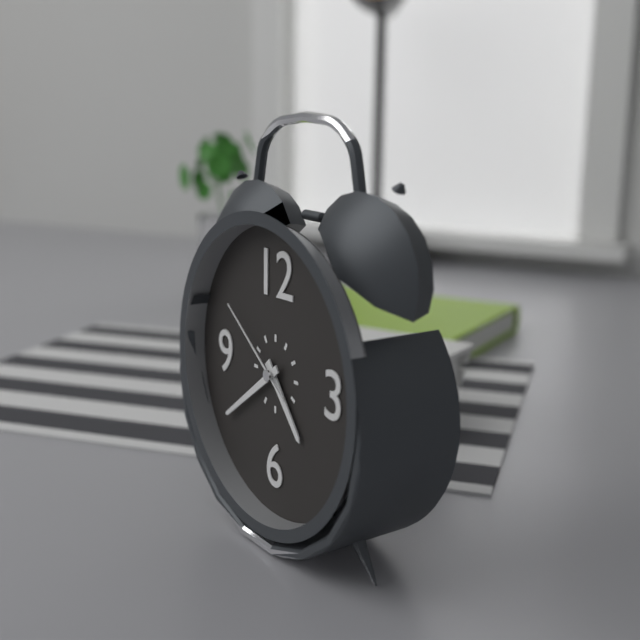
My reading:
4h39m51s
